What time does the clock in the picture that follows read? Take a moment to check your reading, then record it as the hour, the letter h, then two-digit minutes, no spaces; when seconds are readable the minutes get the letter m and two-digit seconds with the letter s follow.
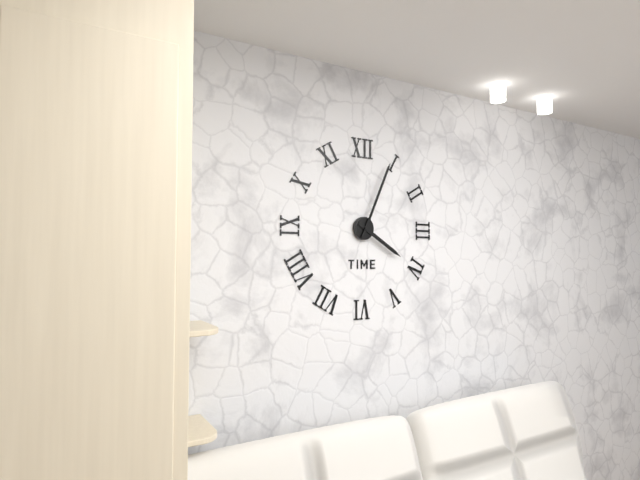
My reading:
4h04
